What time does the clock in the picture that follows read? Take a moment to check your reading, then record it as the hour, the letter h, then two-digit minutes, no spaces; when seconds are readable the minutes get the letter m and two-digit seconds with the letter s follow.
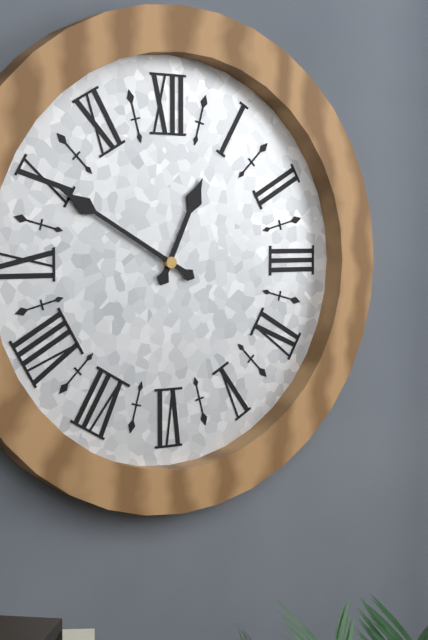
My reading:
12h50
